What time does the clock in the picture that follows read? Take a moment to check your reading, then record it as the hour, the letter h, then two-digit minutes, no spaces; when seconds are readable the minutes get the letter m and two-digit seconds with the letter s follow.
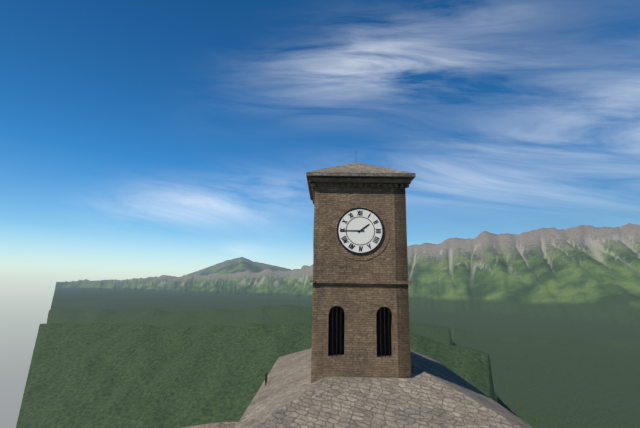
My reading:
1h45
